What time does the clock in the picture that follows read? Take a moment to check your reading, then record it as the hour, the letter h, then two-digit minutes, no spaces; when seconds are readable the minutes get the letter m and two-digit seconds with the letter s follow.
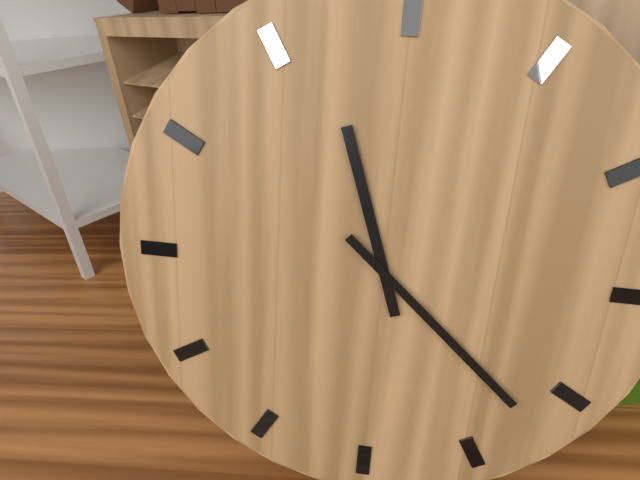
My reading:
11h22
